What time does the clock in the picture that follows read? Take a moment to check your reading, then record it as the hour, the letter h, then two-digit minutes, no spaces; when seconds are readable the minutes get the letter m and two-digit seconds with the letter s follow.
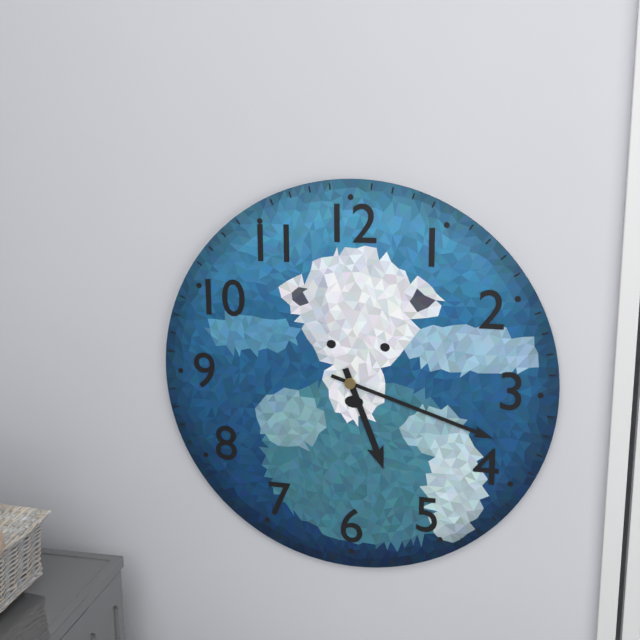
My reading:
5h18
